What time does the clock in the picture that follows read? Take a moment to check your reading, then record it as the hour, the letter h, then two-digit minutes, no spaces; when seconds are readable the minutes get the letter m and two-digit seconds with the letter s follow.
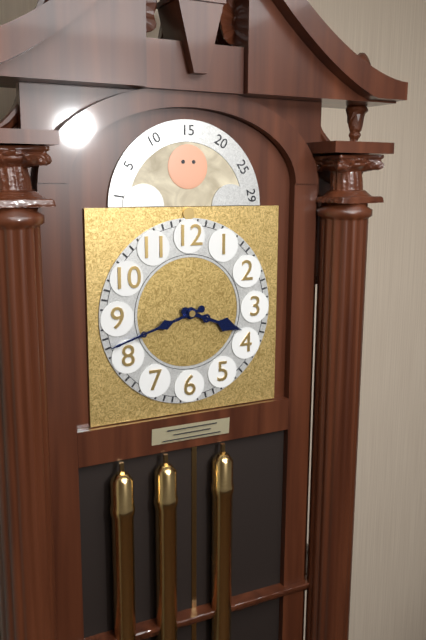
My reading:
3h42
